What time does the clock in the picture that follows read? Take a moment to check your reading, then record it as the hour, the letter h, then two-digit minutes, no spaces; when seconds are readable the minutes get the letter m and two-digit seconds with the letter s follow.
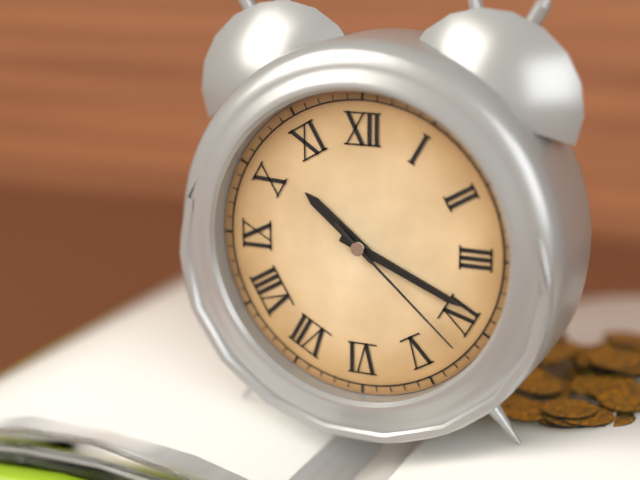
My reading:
10h19m22s
